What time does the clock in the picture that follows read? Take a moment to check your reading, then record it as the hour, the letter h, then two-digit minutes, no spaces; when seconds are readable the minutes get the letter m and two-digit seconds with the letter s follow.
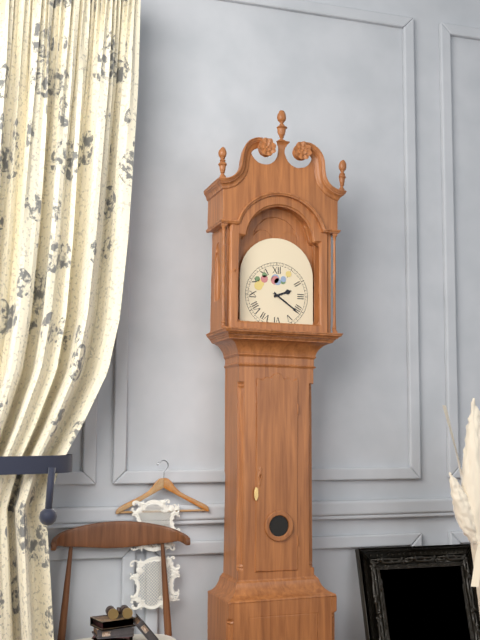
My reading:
2h21
